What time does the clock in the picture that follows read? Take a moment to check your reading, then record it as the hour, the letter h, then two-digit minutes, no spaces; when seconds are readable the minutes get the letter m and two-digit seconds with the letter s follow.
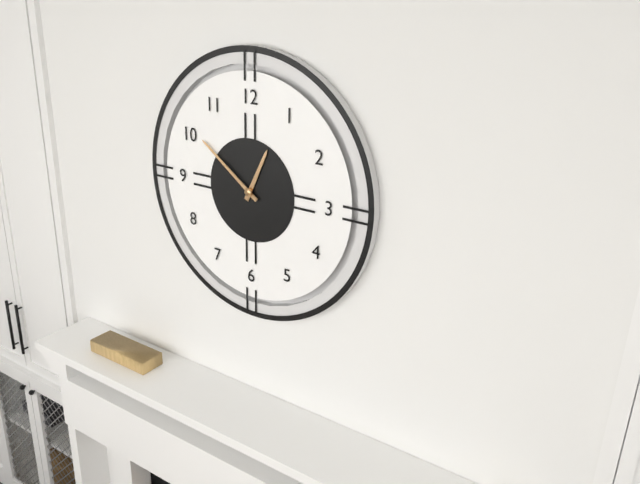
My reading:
12h51
